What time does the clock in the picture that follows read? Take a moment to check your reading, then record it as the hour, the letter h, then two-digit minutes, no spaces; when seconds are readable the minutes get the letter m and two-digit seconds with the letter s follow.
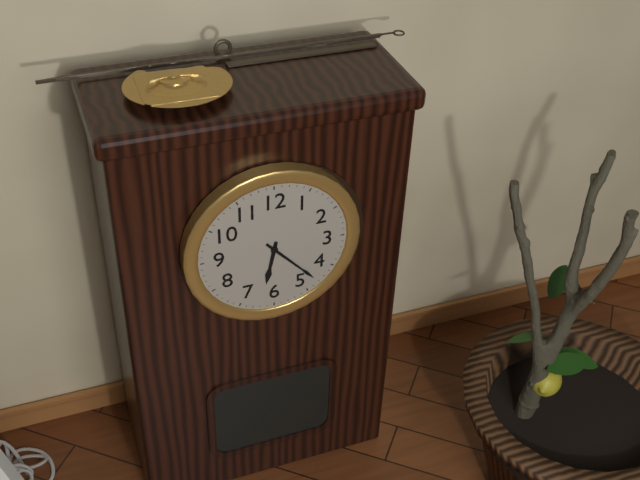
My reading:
6h23
